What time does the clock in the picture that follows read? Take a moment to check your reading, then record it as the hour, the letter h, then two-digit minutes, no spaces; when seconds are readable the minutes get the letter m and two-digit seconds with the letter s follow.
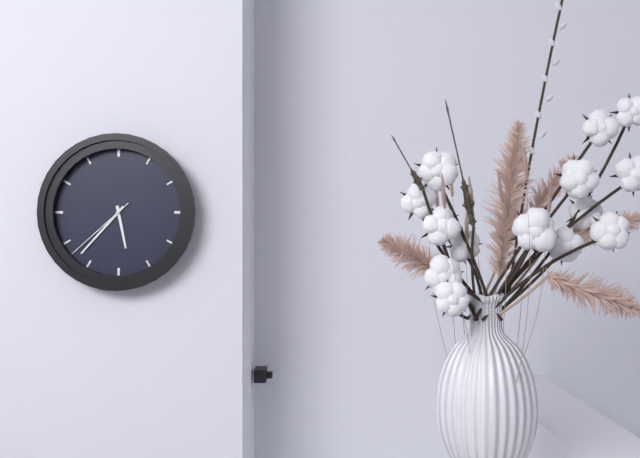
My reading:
5h37m38s
